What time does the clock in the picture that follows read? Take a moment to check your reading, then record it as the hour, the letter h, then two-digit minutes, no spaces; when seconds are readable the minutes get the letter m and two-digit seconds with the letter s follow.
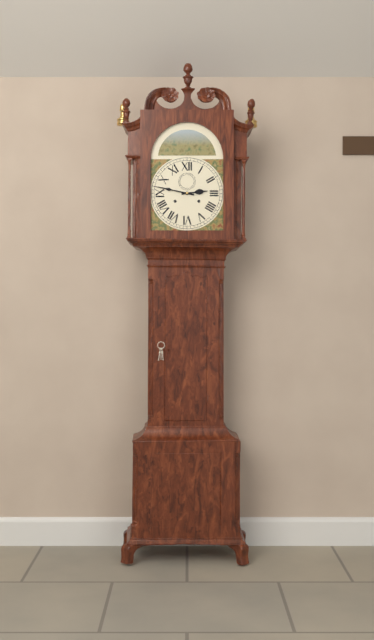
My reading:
2h47
